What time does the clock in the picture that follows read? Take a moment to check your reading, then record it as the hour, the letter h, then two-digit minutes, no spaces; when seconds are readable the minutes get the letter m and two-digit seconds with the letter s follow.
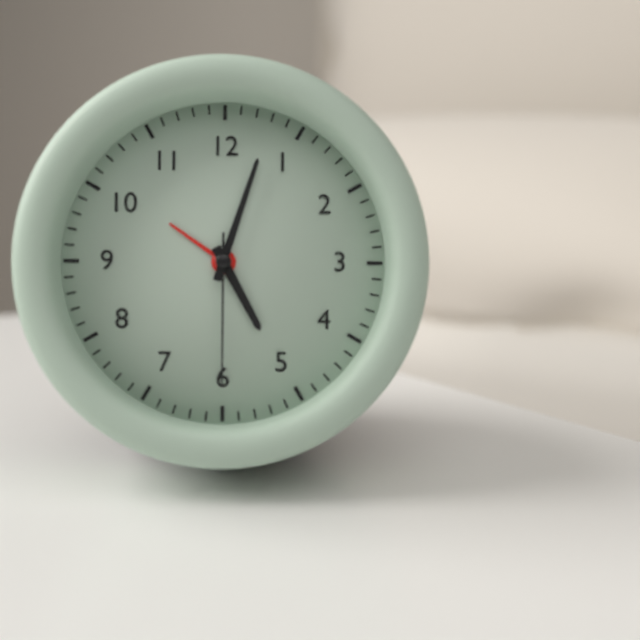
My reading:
5h03m30s
